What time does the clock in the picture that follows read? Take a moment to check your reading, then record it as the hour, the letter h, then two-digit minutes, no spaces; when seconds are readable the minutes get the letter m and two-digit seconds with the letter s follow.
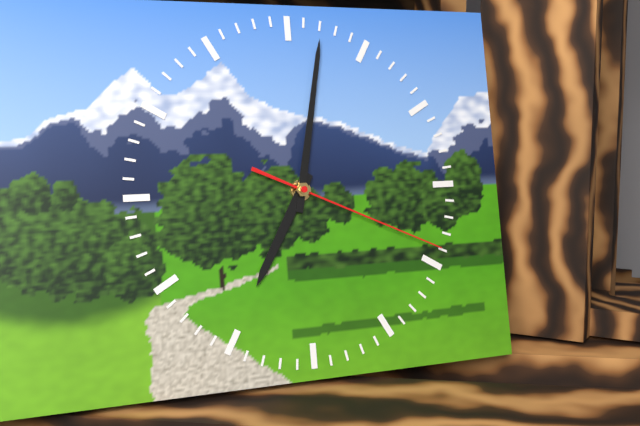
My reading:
7h02m19s
